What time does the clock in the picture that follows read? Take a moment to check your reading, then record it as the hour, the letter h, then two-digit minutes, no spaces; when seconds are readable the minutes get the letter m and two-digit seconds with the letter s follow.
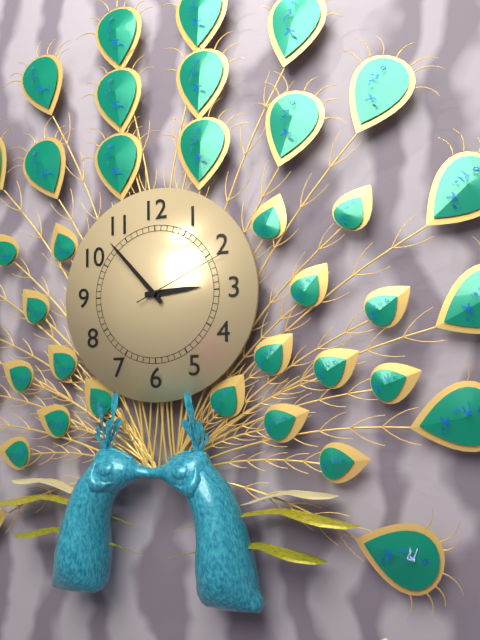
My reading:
2h53m11s
